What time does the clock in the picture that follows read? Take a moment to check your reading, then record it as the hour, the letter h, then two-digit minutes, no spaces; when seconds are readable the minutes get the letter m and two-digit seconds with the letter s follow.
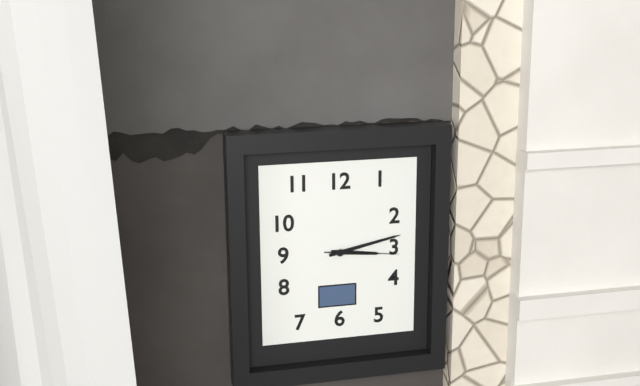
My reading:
3h13m16s
